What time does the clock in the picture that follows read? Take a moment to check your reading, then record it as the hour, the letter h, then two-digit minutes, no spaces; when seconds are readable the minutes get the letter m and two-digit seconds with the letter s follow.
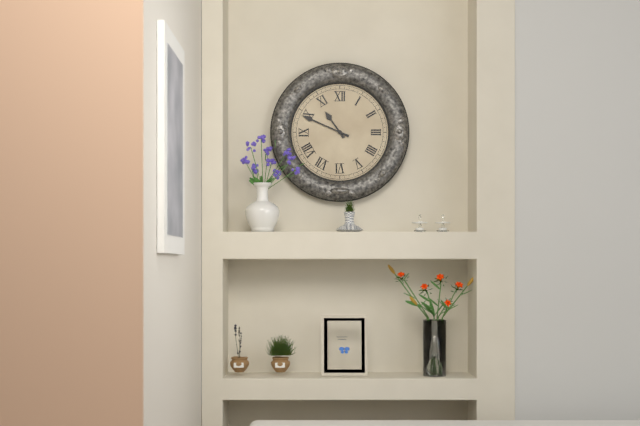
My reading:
10h49
